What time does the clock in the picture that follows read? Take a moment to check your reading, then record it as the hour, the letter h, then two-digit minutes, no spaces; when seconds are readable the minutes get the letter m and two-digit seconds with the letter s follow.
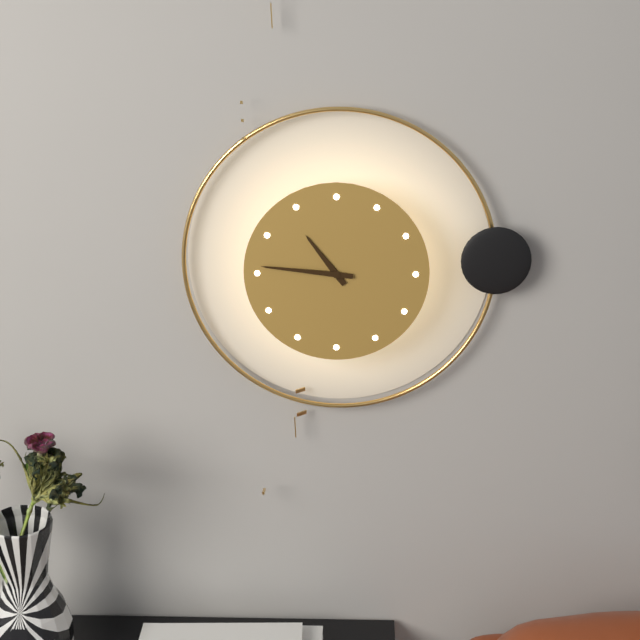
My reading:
10h46
